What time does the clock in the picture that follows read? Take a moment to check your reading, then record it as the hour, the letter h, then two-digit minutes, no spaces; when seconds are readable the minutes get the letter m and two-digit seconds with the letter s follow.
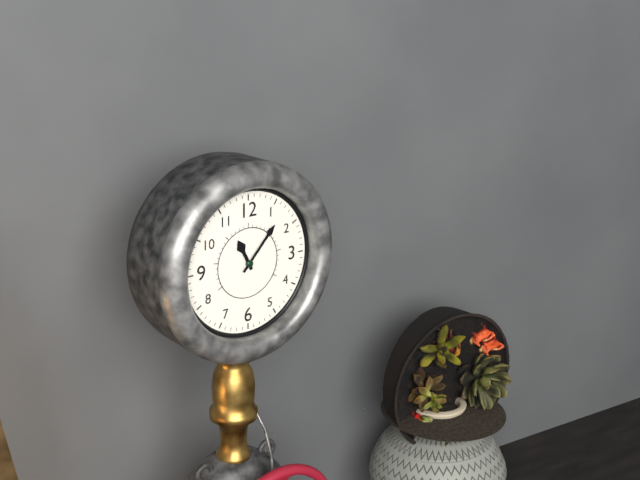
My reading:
11h07
